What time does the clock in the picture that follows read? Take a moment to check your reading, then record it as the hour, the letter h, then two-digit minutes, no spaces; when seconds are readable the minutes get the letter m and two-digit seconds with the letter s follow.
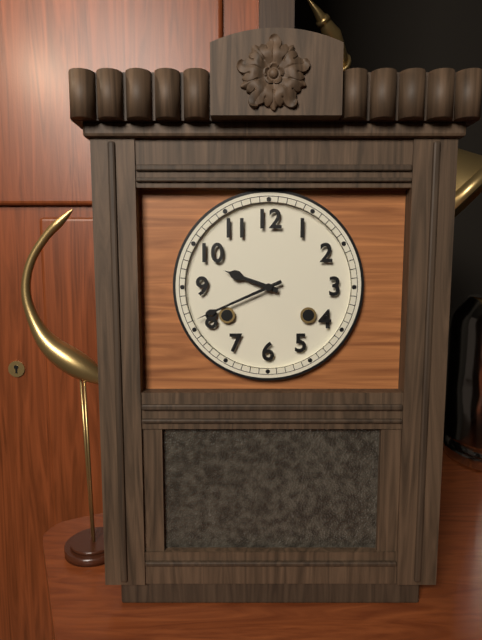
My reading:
9h41
